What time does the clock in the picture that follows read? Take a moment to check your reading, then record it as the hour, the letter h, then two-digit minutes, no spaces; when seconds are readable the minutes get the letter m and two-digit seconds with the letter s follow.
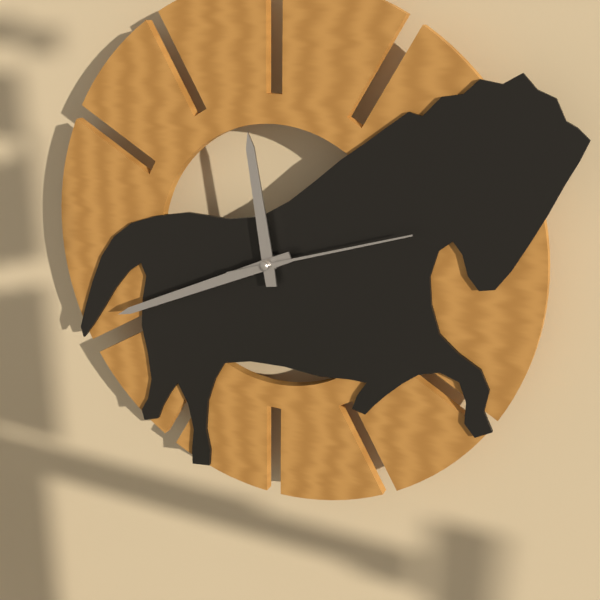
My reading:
11h41m12s
